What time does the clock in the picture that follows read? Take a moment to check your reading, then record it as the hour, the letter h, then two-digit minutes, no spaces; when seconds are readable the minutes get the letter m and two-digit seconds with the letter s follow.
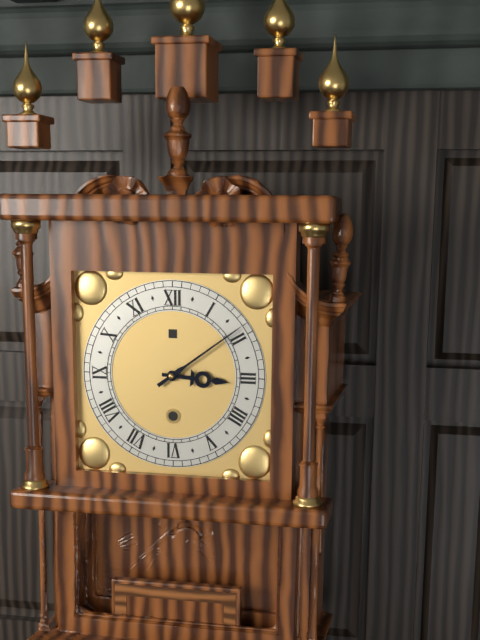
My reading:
3h09
